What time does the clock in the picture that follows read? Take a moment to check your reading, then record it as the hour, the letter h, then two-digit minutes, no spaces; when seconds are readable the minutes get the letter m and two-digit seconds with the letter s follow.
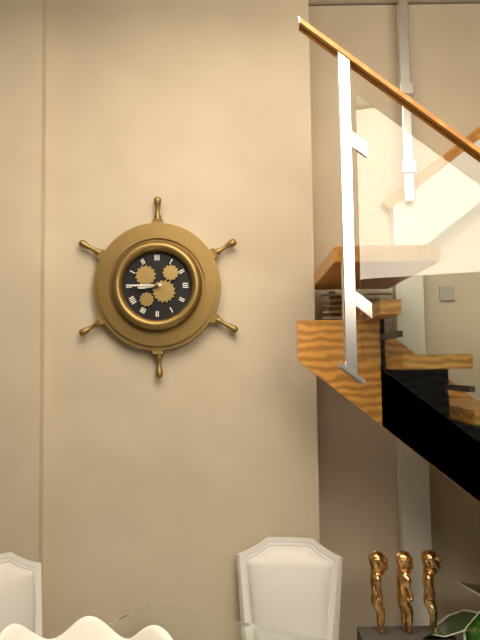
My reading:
8h45
